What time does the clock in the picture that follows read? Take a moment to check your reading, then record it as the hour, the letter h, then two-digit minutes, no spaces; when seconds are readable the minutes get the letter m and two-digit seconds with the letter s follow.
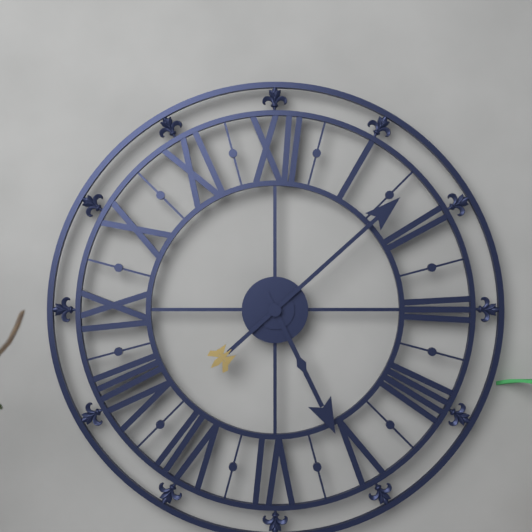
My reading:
5h08
